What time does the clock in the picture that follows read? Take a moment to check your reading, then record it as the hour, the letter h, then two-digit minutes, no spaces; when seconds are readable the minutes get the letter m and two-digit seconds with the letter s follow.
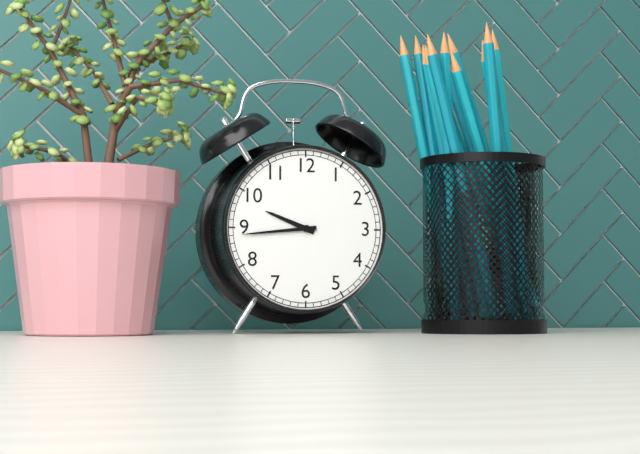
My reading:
9h44
